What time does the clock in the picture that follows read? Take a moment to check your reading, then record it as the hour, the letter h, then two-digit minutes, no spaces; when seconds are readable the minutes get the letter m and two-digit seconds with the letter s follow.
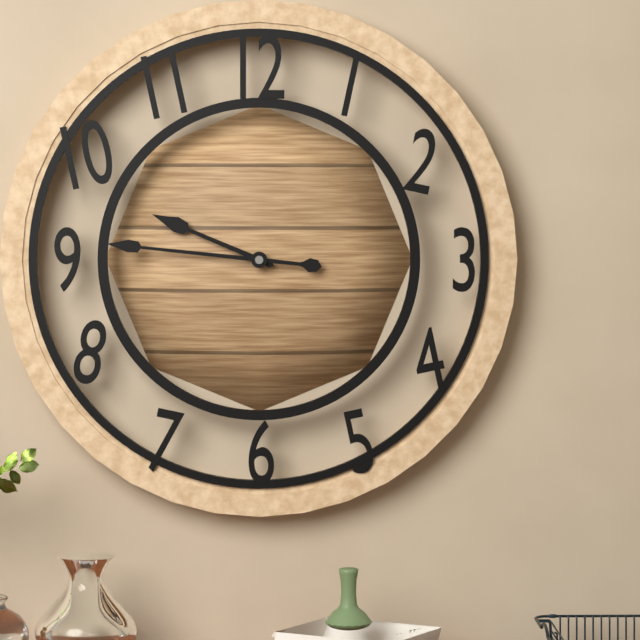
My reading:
9h46
